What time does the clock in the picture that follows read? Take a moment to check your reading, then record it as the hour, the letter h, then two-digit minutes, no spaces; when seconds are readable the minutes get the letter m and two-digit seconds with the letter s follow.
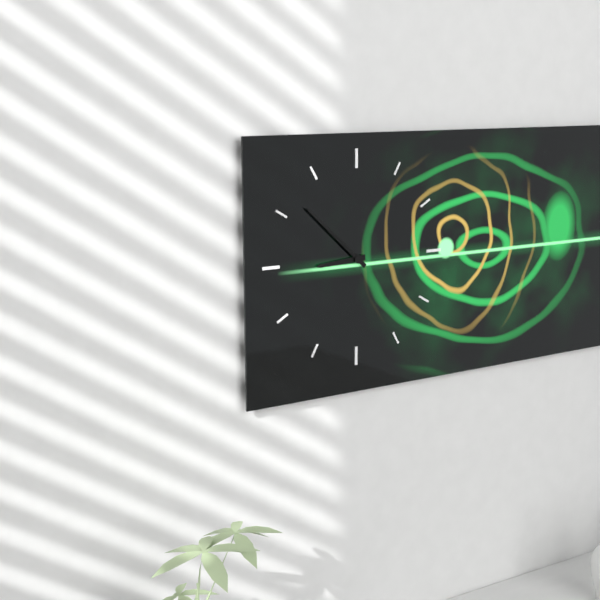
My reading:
8h52
